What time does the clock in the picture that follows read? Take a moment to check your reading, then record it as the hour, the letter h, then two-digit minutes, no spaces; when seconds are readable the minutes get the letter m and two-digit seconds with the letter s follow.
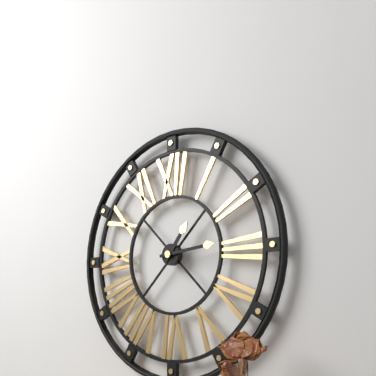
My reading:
1h14
